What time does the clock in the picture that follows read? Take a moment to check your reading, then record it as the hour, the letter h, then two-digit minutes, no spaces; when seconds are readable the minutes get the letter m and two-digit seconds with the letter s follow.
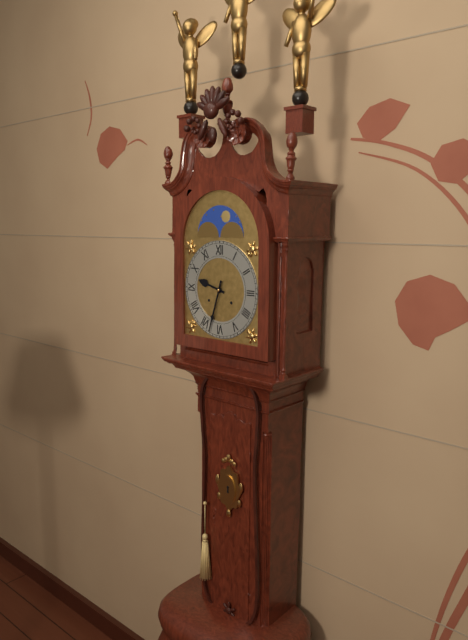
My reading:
9h33
